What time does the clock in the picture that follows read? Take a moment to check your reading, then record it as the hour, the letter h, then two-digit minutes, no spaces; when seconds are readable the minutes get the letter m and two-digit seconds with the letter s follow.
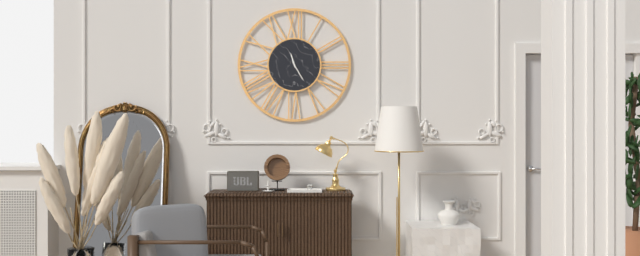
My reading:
11h25
